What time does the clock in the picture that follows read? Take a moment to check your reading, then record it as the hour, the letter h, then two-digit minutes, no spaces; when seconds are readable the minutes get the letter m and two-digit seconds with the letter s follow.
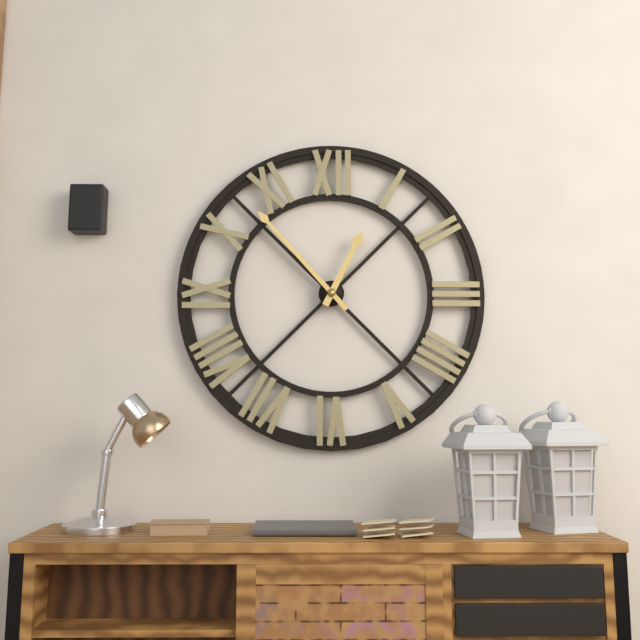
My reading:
12h53
